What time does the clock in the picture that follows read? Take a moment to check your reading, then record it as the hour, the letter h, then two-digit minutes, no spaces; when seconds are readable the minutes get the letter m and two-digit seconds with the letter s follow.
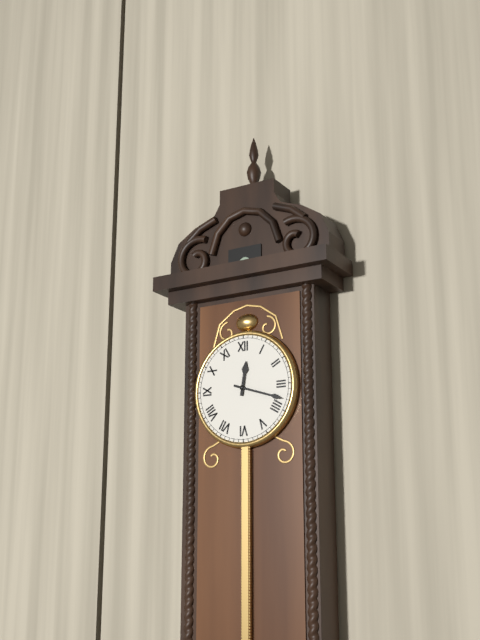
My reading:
12h18
